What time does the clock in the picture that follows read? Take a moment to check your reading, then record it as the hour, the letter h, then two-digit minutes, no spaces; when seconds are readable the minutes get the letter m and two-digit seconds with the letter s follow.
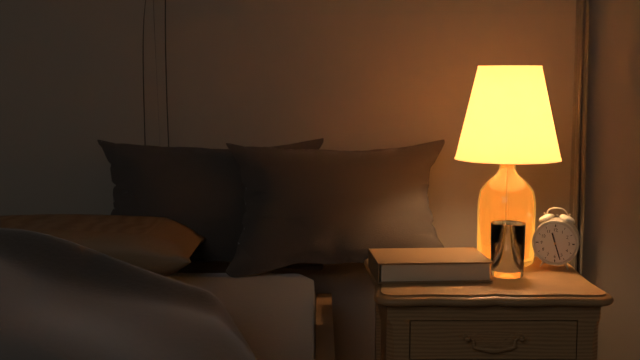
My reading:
11h27
